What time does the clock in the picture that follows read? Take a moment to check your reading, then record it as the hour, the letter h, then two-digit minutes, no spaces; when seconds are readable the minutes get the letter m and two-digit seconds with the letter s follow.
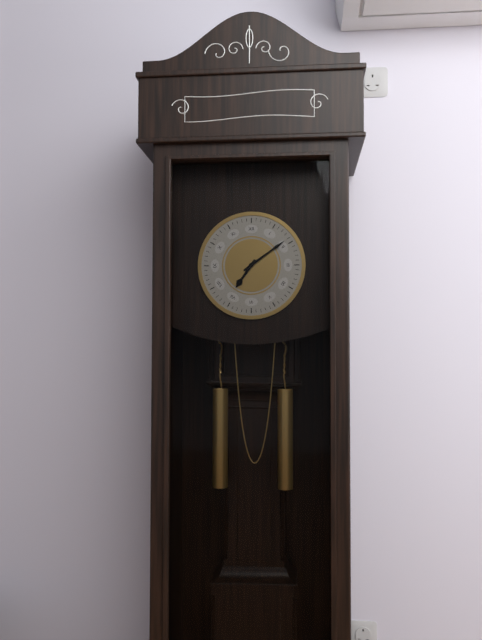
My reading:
7h09
